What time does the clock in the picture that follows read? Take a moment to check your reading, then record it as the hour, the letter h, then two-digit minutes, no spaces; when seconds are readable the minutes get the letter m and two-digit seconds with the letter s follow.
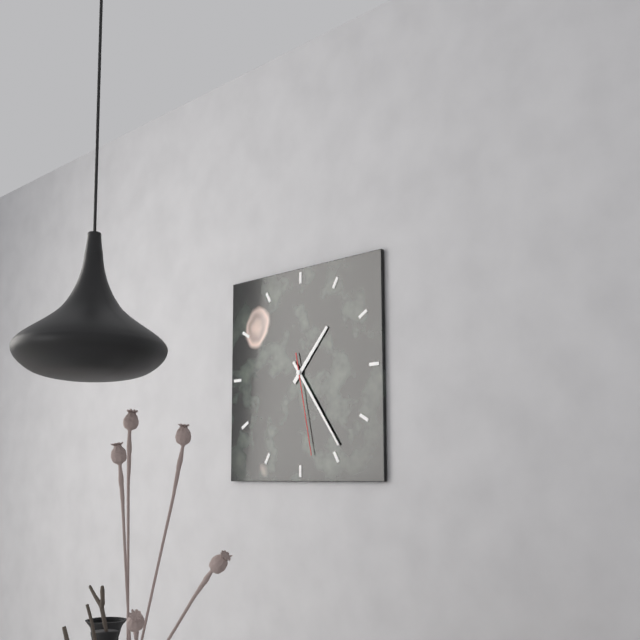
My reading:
1h24m28s
